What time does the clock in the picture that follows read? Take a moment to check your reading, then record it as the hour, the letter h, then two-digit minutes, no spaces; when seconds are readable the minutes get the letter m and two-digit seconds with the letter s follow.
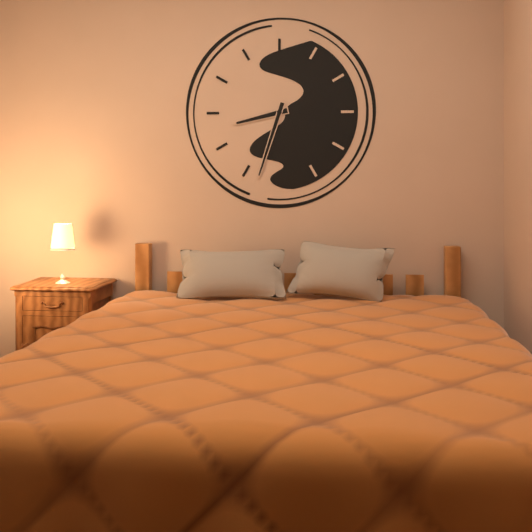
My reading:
8h33
